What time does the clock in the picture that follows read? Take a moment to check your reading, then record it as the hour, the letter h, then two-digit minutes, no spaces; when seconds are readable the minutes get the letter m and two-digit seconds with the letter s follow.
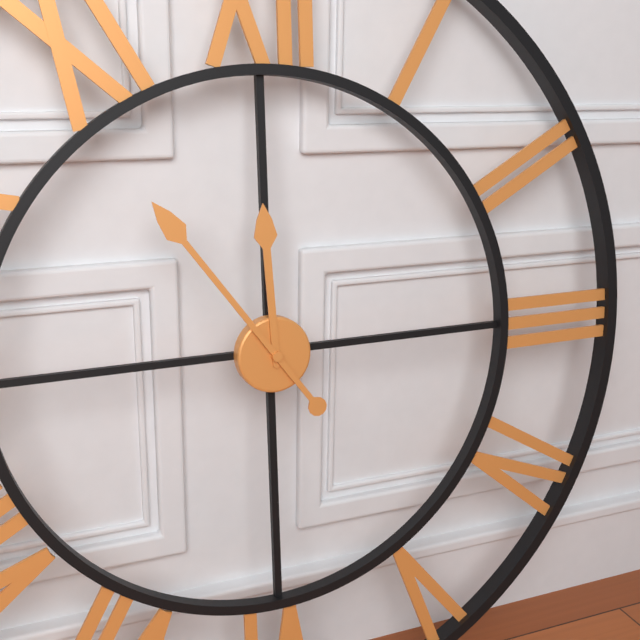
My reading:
11h54
